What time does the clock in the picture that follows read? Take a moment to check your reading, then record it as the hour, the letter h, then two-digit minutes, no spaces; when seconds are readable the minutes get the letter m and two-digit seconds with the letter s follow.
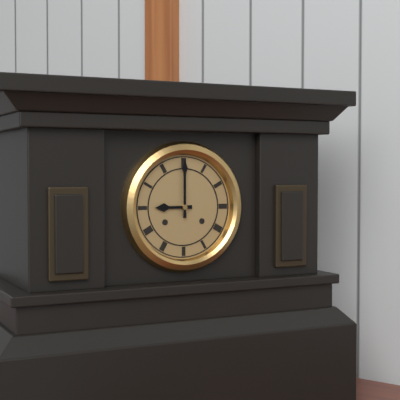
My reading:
9h00
